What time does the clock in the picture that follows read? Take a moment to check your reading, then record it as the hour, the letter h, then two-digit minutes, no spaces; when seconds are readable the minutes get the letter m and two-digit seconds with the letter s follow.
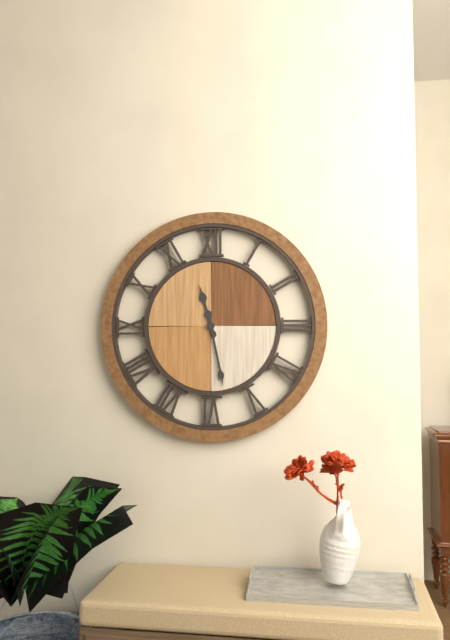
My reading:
11h28
